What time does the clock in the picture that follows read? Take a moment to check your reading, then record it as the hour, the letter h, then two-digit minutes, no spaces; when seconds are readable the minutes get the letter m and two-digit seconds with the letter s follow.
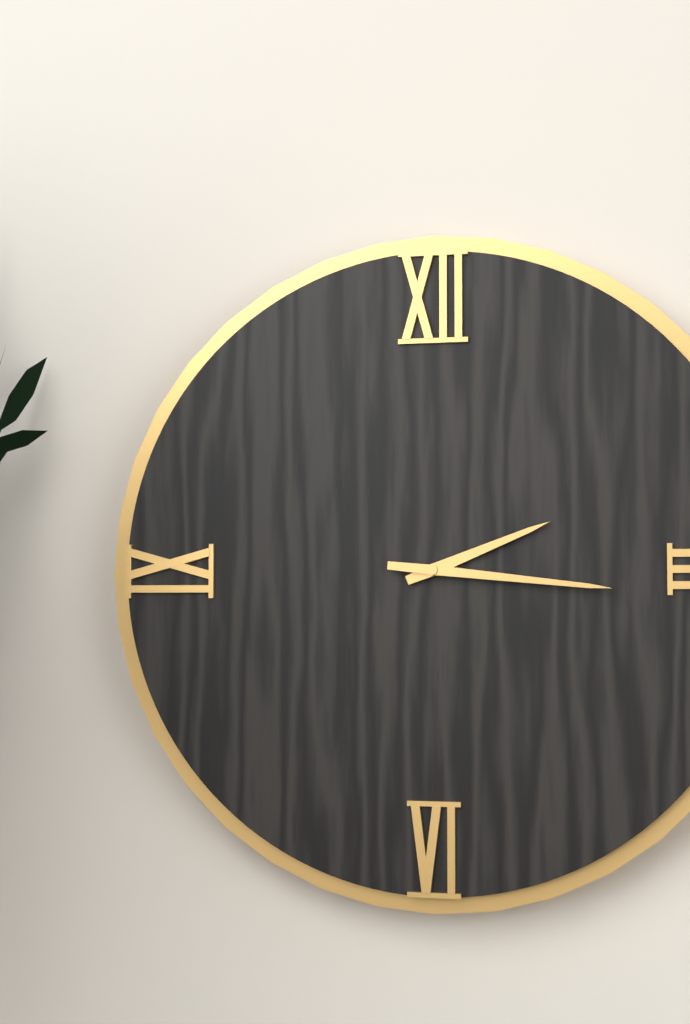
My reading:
2h16
